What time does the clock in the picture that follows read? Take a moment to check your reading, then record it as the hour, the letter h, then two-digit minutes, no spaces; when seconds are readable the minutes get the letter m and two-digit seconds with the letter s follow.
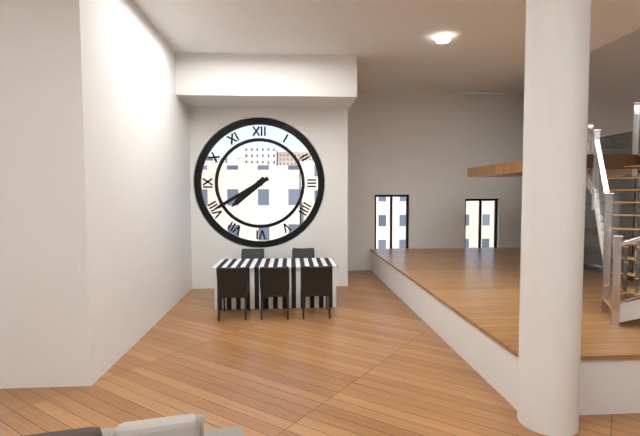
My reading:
7h40
